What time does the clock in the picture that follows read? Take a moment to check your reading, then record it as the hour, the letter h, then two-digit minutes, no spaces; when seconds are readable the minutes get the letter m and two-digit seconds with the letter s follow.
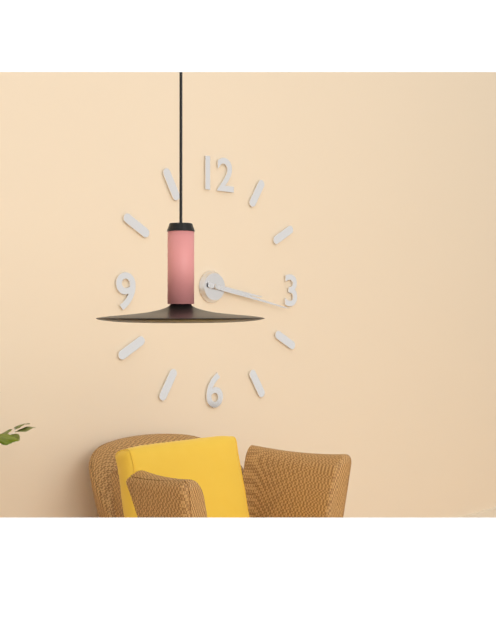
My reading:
3h17
